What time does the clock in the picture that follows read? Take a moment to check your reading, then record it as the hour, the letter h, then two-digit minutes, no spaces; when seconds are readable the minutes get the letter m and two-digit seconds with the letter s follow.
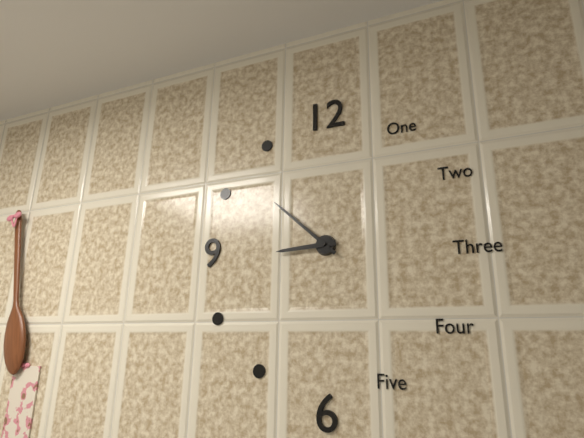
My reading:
8h52
